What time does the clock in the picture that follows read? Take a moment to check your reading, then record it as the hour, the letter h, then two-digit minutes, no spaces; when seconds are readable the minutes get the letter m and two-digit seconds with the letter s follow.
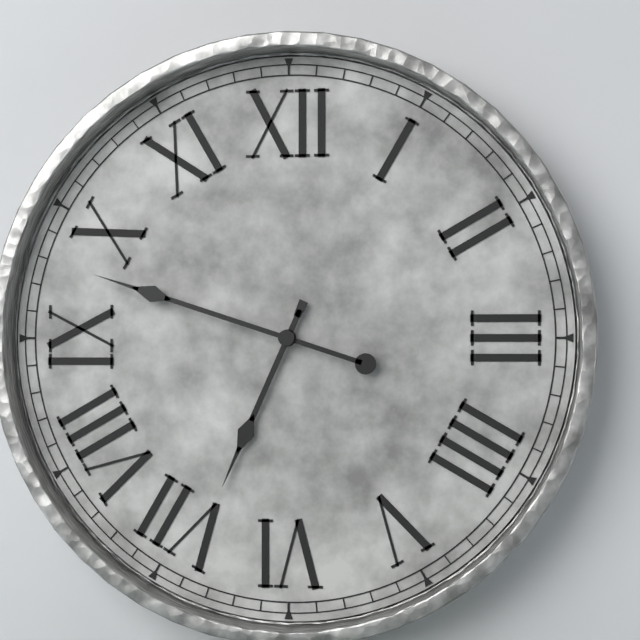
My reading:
6h48
